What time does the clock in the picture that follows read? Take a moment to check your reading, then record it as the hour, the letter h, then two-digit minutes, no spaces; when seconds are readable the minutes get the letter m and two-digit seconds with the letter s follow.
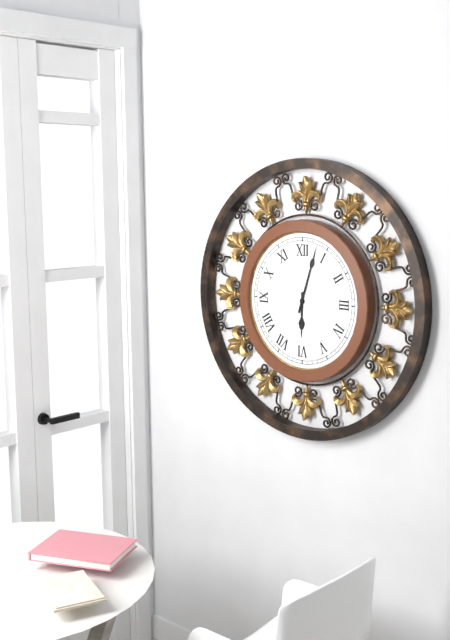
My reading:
6h03
